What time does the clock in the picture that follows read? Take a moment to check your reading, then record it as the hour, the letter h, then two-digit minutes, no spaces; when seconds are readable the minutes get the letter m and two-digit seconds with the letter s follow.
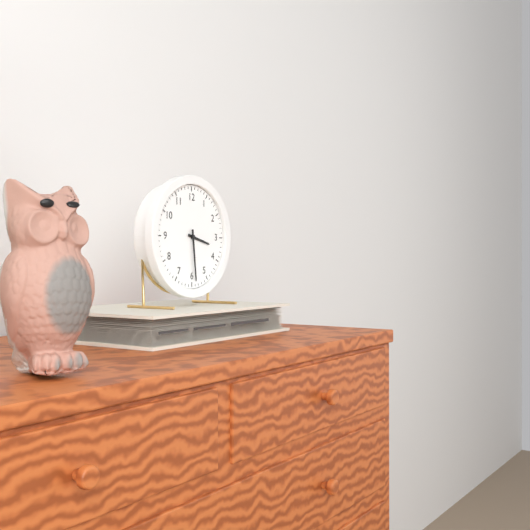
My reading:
3h29
